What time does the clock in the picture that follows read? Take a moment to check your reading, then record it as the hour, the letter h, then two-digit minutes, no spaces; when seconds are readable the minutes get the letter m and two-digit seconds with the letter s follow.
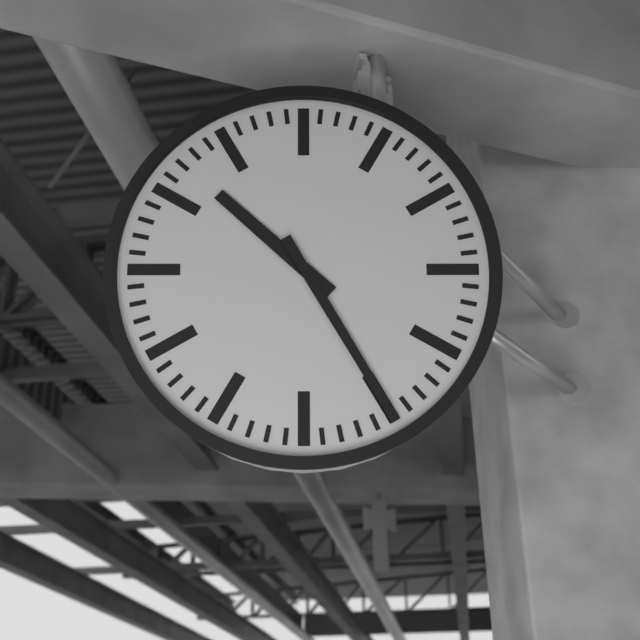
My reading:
10h25
